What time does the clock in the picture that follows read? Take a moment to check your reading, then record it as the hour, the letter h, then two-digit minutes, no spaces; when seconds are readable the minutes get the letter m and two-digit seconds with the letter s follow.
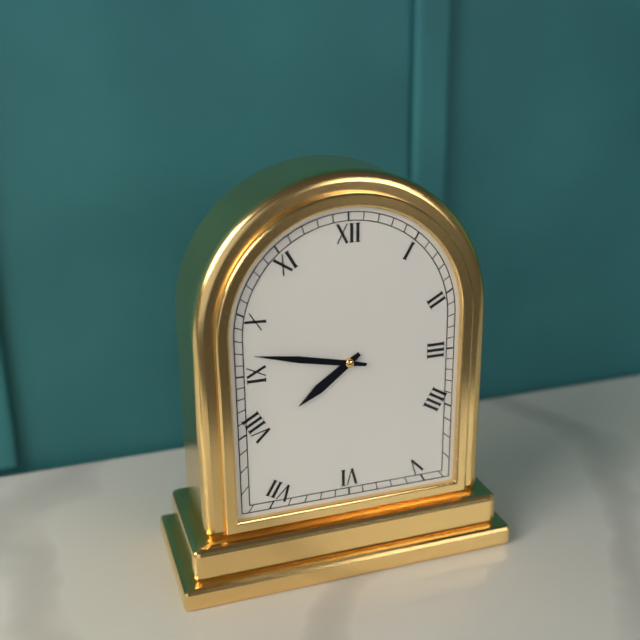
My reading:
7h47
